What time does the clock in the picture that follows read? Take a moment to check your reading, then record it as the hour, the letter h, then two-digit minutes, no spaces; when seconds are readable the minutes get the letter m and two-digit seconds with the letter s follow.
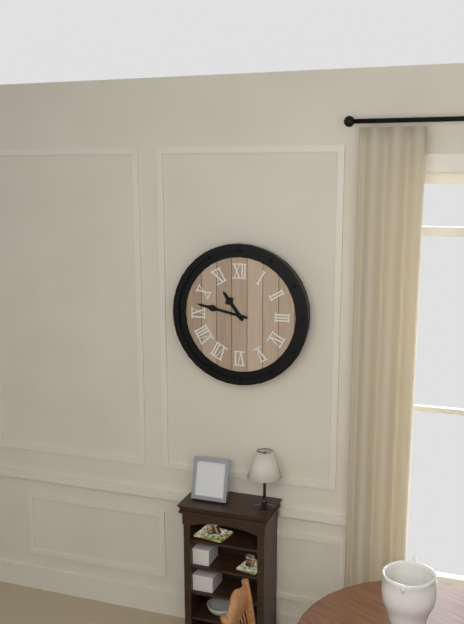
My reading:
10h47
